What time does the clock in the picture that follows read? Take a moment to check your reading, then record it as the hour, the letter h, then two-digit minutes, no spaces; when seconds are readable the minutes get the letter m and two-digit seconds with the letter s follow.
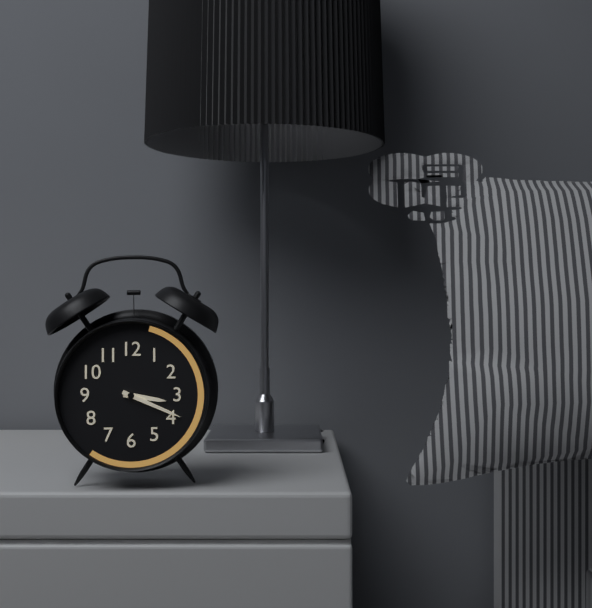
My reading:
3h19
